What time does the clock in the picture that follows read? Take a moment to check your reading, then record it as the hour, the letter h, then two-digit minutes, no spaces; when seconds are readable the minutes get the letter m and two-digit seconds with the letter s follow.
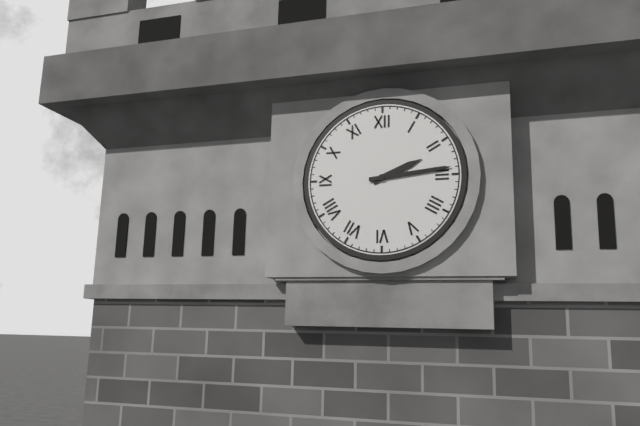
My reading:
2h14
